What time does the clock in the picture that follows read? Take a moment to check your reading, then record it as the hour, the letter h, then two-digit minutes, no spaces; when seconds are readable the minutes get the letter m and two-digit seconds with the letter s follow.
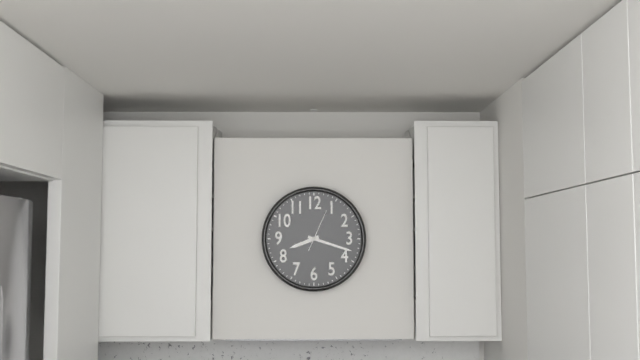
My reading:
8h18
